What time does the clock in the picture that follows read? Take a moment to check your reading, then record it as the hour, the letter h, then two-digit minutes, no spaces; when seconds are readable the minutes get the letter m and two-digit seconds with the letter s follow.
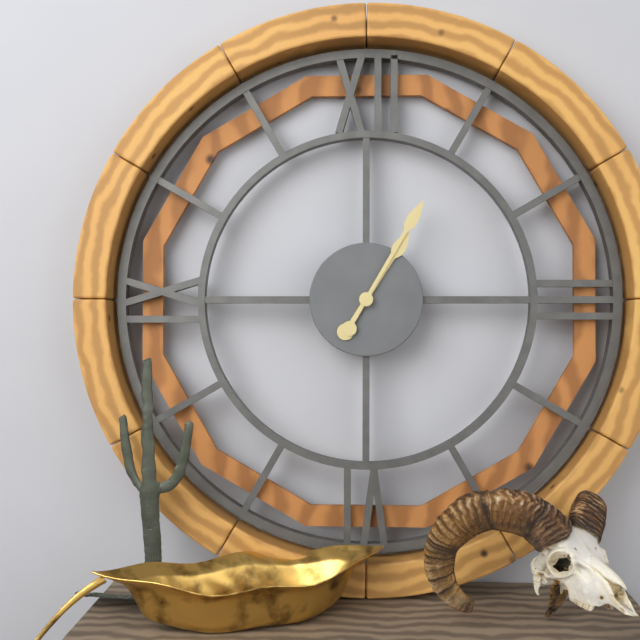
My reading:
1h05
